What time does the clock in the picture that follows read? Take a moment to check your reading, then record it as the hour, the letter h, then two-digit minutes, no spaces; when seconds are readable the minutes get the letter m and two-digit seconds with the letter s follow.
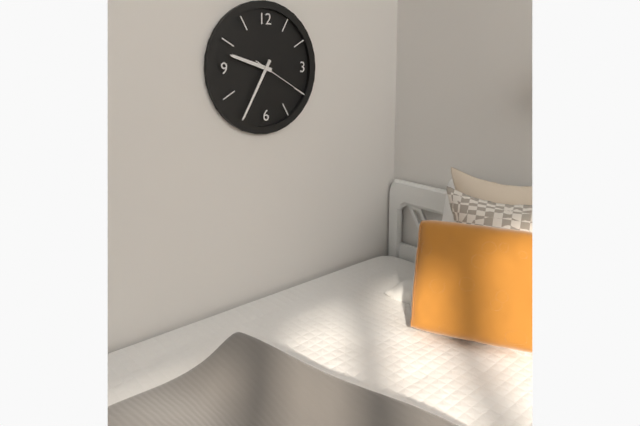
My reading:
9h35m20s
